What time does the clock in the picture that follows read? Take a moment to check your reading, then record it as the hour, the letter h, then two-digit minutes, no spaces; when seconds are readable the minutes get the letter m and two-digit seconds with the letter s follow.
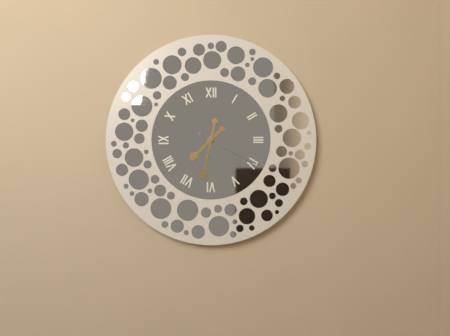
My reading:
7h32m20s
